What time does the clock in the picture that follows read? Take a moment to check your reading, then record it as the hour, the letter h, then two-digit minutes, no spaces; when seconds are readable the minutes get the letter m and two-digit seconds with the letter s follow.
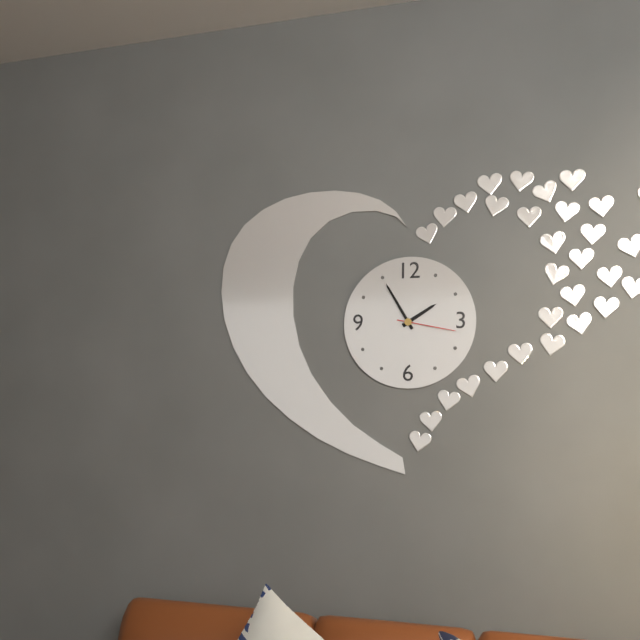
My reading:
1h55m17s
